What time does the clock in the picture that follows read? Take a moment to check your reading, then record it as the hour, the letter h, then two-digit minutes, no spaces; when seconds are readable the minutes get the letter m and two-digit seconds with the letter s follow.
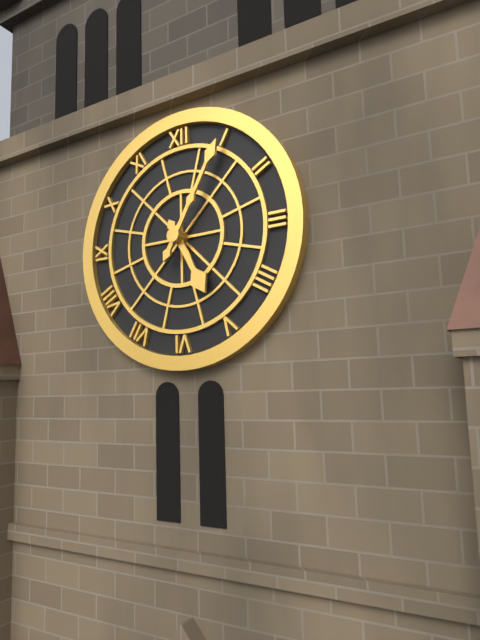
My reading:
5h05
